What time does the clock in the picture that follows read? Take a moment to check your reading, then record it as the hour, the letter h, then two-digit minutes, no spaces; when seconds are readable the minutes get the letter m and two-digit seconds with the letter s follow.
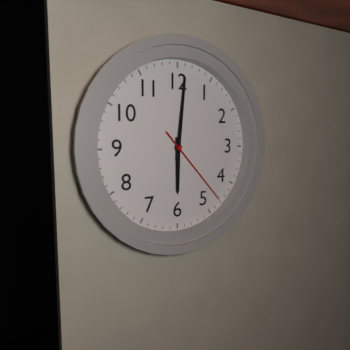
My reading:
6h01m23s
